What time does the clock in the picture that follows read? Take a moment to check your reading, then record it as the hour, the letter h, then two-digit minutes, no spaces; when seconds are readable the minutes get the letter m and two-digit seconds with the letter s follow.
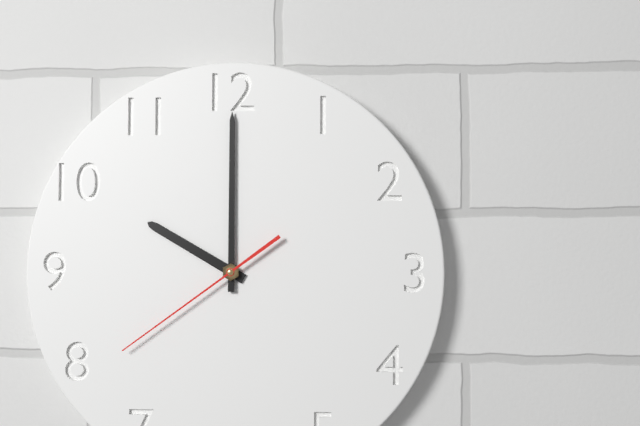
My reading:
10h00m39s
